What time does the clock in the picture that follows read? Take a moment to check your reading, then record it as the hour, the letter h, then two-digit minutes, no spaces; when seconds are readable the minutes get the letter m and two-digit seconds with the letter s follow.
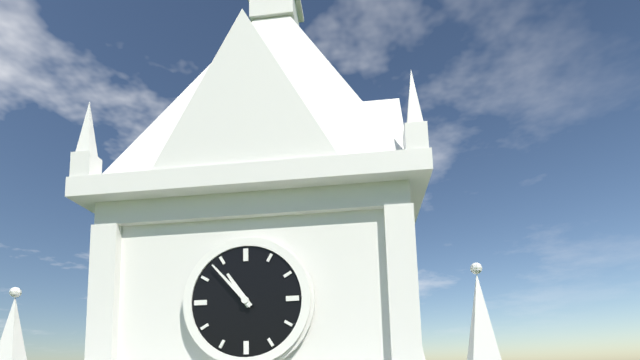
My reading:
10h53
